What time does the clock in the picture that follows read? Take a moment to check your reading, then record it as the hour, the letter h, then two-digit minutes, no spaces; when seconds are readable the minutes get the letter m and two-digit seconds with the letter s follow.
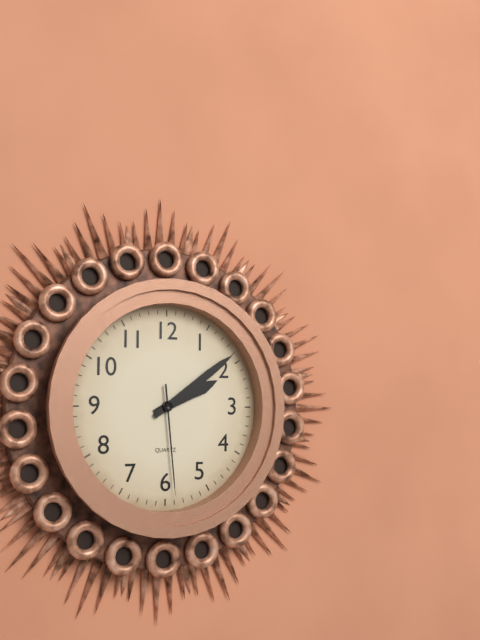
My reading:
2h09m29s
